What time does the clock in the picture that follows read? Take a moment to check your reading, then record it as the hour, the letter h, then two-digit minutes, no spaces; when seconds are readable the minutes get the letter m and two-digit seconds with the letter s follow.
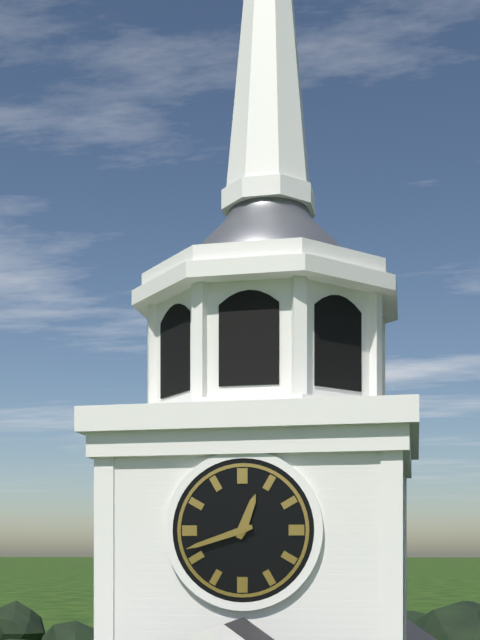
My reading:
12h42
